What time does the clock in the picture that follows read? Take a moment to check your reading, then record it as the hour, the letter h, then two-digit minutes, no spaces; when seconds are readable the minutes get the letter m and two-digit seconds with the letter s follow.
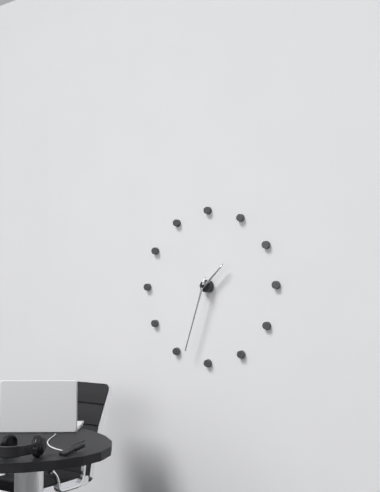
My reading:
1h33
